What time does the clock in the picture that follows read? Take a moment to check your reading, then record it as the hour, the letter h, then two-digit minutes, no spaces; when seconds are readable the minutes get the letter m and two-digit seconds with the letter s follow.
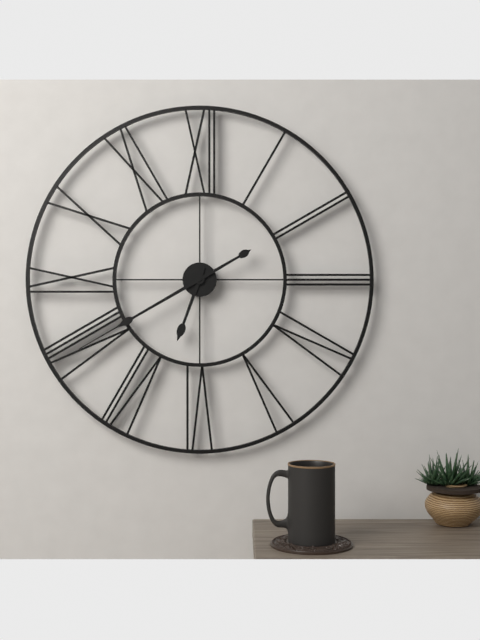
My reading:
6h40
